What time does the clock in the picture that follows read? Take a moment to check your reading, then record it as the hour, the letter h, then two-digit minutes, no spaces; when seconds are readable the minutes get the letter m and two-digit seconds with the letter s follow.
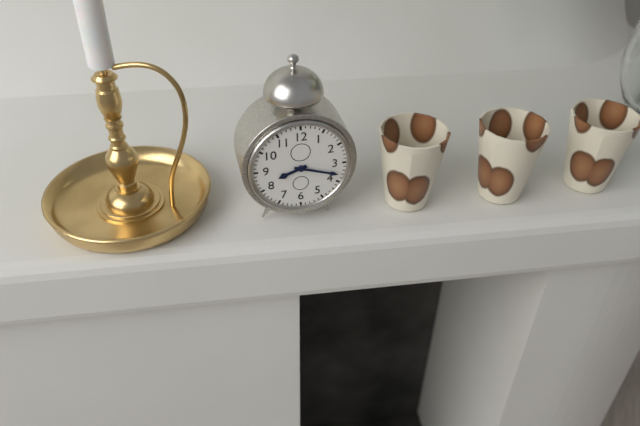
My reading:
8h18
